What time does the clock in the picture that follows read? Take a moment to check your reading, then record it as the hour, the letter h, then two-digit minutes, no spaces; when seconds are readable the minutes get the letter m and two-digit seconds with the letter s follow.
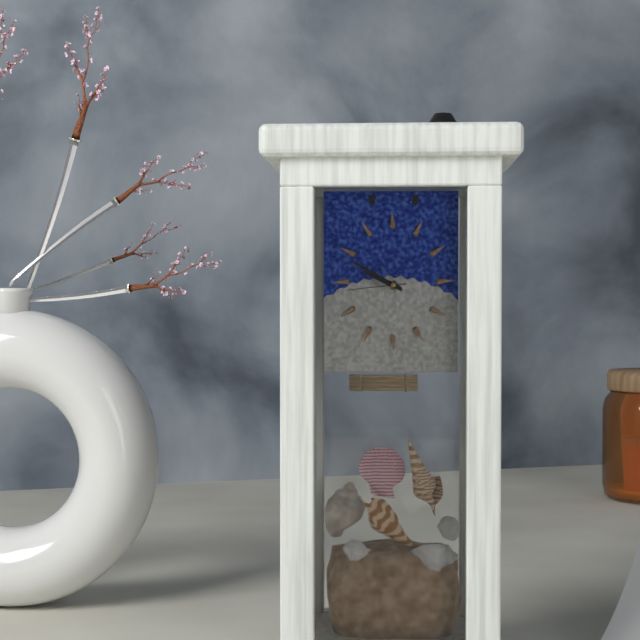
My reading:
9h50m44s
